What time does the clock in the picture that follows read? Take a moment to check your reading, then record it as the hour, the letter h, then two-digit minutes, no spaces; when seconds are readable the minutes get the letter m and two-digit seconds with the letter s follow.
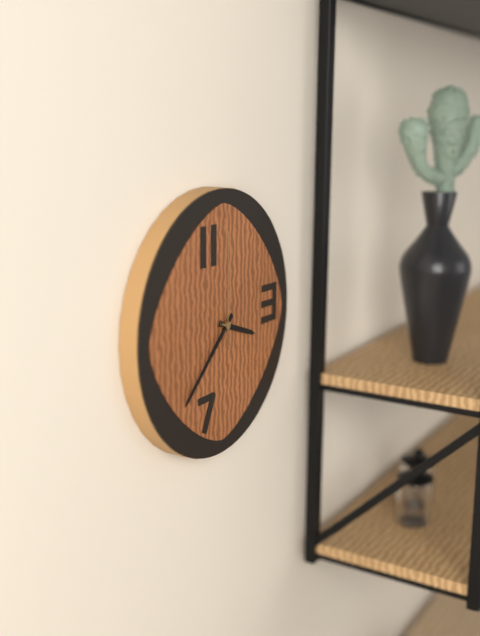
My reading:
3h38m00s
